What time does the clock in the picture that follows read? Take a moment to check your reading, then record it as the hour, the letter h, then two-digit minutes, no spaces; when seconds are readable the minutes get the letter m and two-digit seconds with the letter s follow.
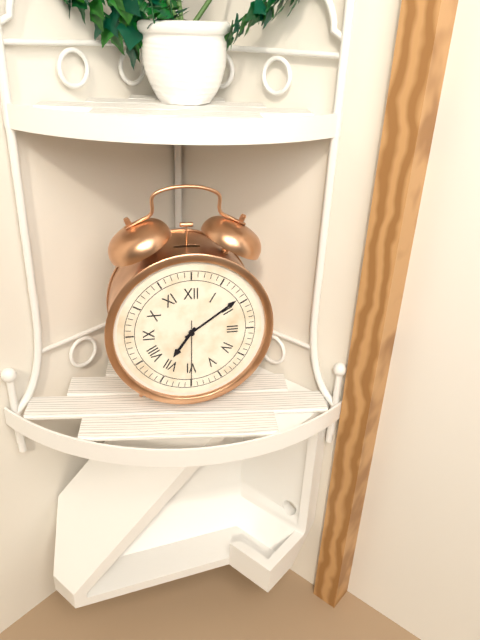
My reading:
7h09m30s
